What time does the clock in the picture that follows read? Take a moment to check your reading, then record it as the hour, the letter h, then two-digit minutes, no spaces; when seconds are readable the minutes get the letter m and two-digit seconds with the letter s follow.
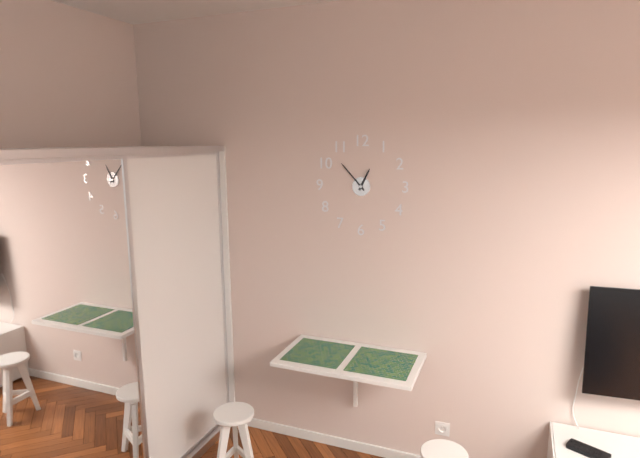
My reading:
12h53
